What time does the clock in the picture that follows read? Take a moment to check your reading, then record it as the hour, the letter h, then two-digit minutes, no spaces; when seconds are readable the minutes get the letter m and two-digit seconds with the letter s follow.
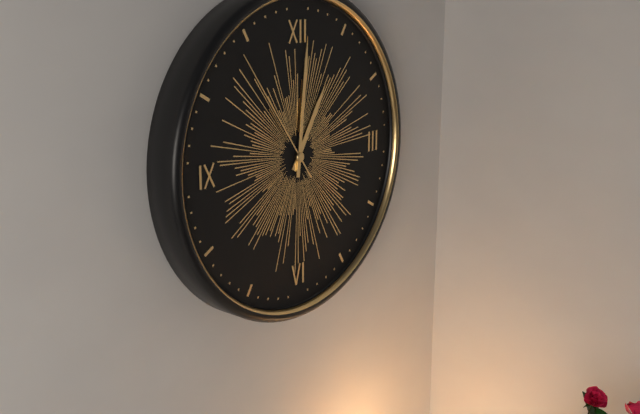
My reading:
1h01m54s
